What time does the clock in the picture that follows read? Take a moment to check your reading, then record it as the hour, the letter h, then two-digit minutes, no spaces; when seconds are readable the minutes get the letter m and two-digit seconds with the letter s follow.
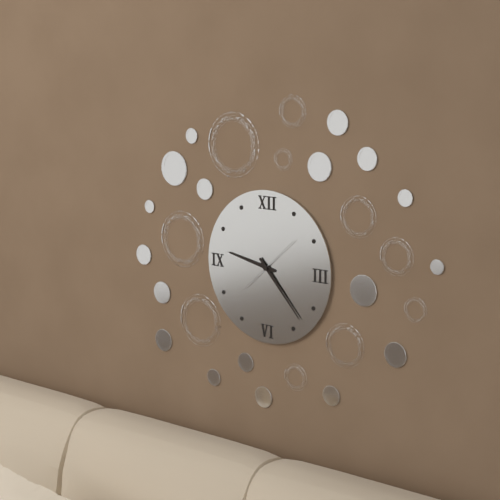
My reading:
9h23
